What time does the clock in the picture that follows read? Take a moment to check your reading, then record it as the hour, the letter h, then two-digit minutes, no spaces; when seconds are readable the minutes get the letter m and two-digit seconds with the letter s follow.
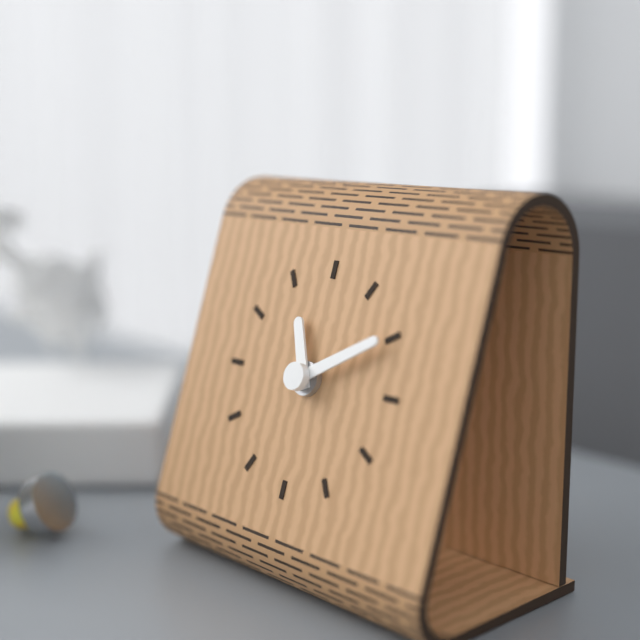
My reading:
11h10
